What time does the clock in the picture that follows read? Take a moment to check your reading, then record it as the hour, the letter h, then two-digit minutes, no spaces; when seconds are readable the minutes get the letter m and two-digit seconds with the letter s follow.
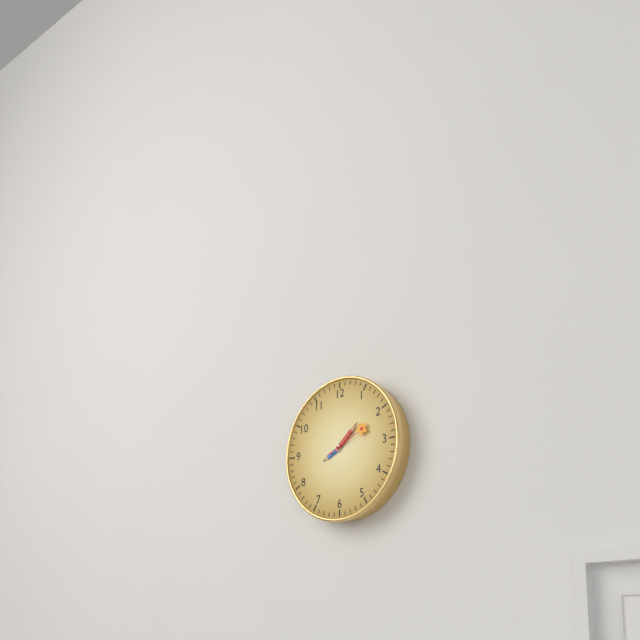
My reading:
8h08
